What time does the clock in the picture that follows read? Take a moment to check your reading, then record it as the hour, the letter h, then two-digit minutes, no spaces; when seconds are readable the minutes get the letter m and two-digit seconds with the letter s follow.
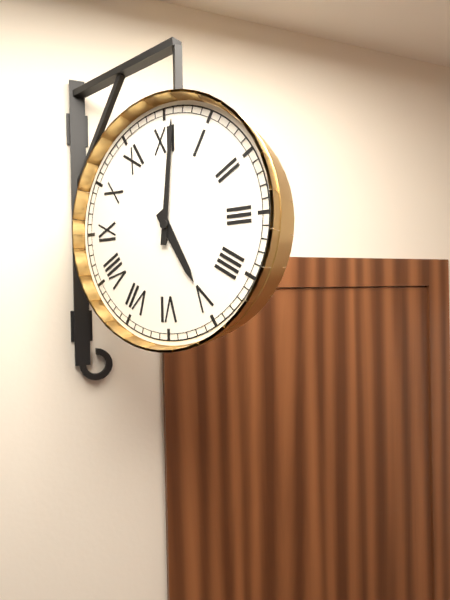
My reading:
5h01
